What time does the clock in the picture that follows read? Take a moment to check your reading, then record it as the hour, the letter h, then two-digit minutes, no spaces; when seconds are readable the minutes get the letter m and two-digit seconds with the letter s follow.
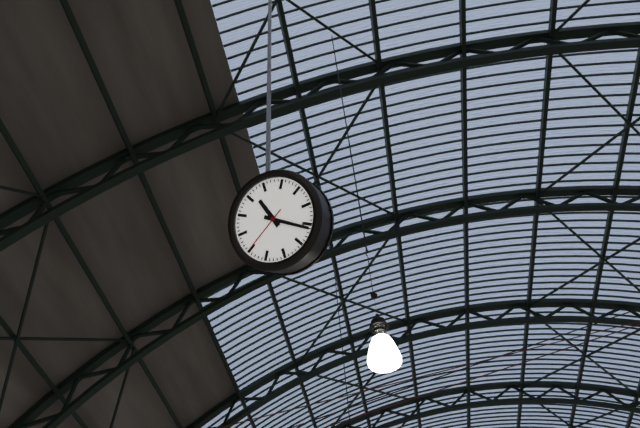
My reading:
11h21
